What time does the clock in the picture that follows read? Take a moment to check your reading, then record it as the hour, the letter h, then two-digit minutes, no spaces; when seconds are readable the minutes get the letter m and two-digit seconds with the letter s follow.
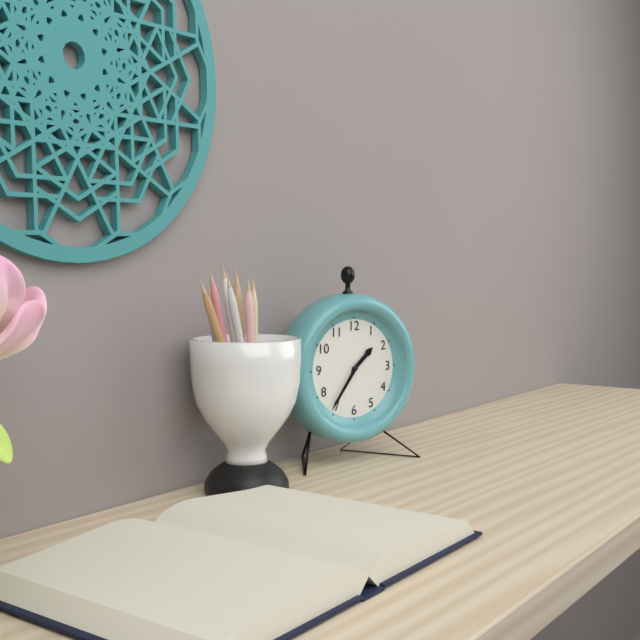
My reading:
1h36
